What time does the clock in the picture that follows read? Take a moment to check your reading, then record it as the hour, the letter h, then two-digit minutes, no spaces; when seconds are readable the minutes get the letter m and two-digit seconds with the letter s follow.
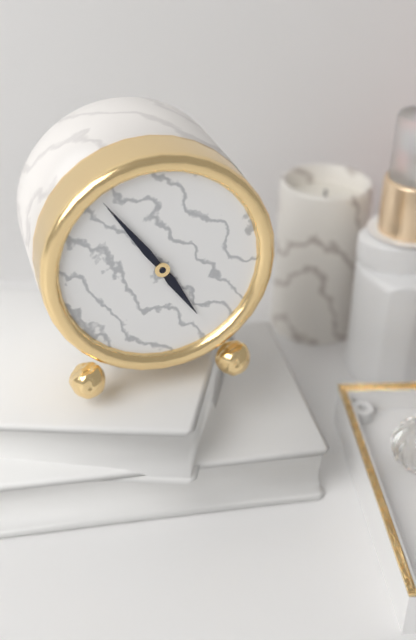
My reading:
4h54
